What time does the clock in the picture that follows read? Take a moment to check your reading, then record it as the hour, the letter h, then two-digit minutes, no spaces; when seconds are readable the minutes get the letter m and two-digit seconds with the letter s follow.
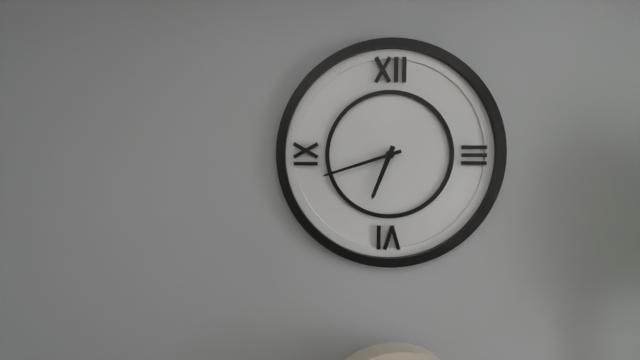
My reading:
6h42
